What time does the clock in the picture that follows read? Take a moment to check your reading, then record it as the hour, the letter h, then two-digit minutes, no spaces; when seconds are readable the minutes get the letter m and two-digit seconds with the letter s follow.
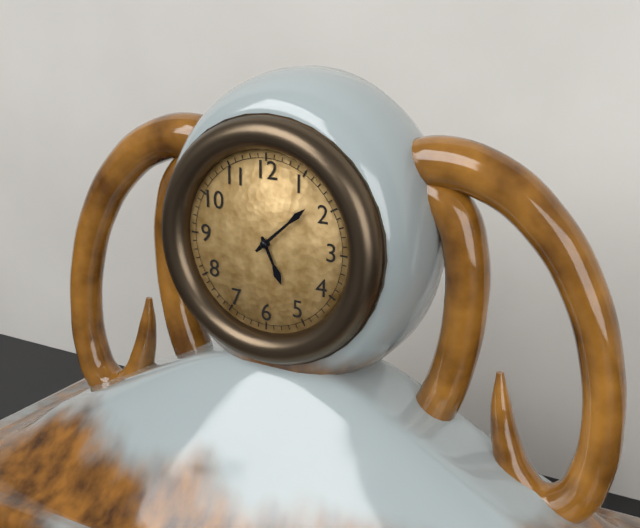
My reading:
5h08
